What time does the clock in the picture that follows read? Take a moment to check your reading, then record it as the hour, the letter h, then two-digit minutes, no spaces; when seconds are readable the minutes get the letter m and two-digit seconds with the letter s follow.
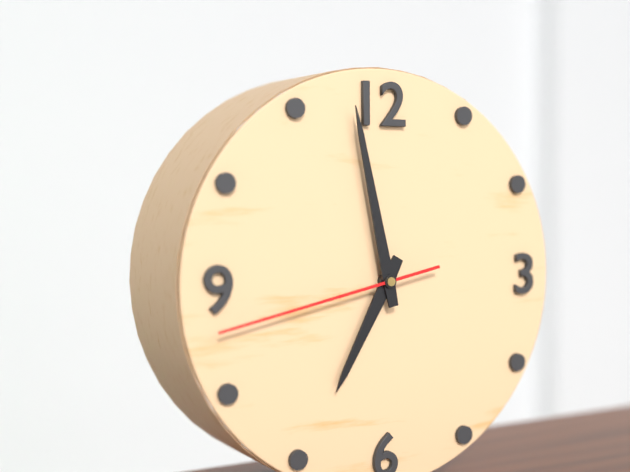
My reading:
6h58m43s
